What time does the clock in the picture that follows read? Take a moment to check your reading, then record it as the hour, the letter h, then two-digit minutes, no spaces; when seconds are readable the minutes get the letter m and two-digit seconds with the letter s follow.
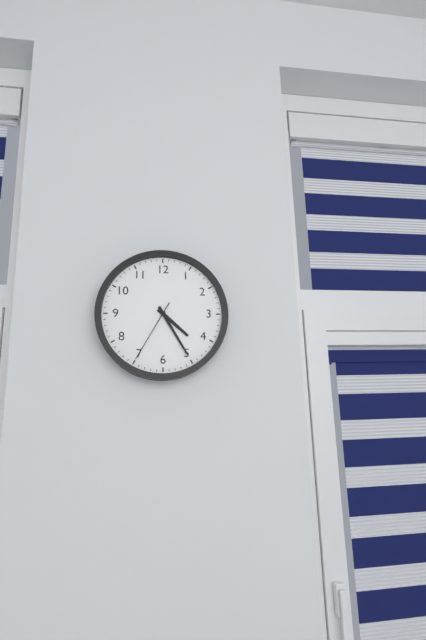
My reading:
4h25m35s
